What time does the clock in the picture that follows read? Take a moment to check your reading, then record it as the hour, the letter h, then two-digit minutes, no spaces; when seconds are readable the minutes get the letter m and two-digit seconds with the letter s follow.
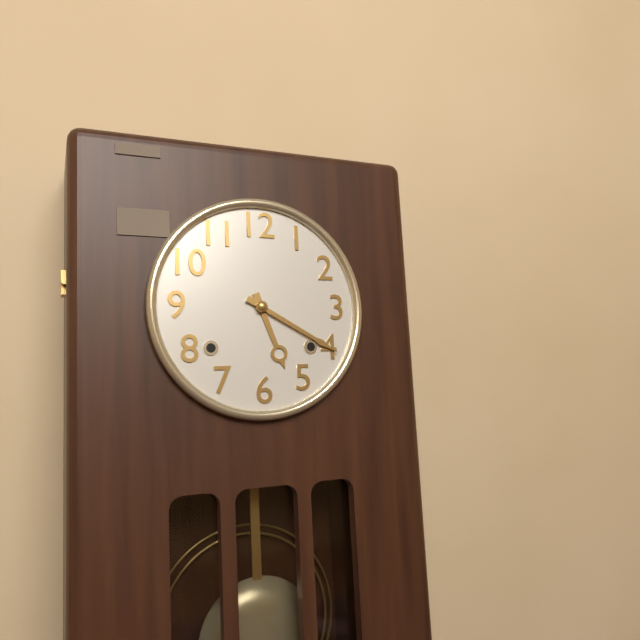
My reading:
5h20
